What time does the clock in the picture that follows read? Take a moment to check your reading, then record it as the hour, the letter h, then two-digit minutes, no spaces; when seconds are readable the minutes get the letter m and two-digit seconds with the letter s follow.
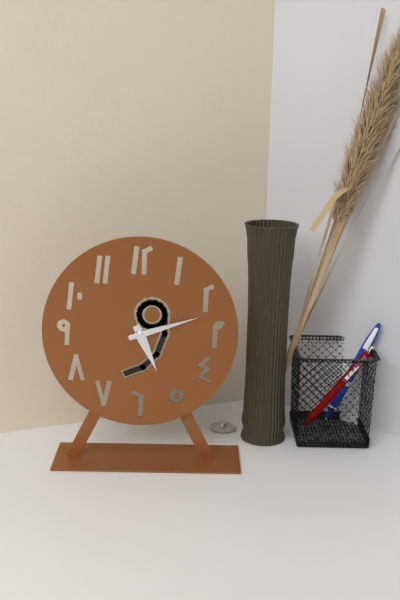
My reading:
5h12
